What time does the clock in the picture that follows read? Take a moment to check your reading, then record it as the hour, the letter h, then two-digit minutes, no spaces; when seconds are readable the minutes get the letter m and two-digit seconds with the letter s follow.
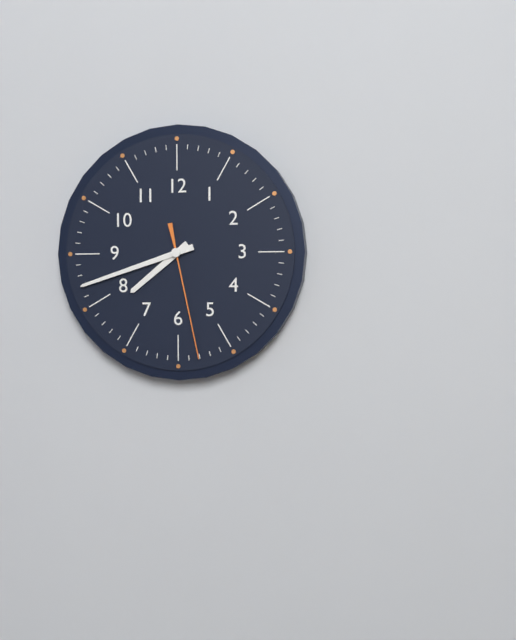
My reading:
7h42m28s
